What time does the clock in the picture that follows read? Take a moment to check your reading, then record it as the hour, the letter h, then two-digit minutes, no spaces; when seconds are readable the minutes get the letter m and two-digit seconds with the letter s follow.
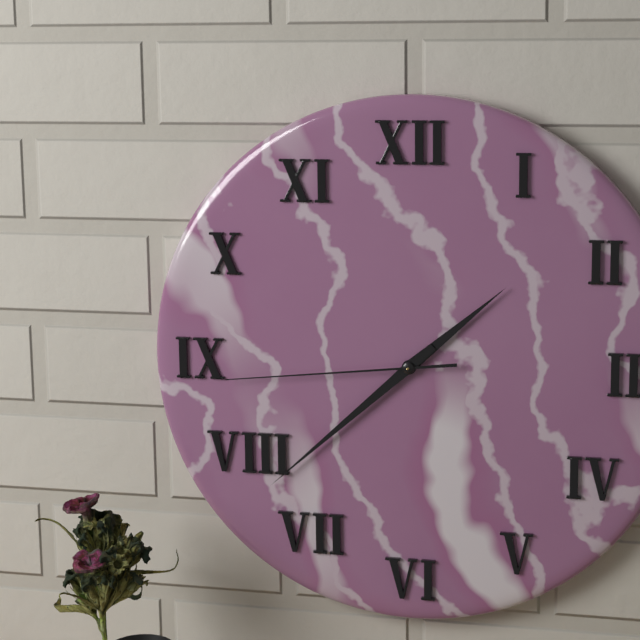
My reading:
1h38m44s
